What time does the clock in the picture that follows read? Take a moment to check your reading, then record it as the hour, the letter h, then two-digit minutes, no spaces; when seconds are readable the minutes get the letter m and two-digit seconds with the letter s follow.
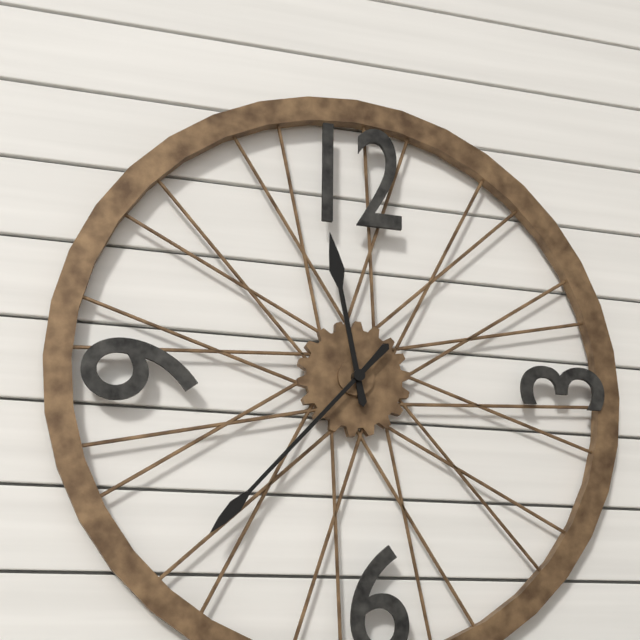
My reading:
11h37
